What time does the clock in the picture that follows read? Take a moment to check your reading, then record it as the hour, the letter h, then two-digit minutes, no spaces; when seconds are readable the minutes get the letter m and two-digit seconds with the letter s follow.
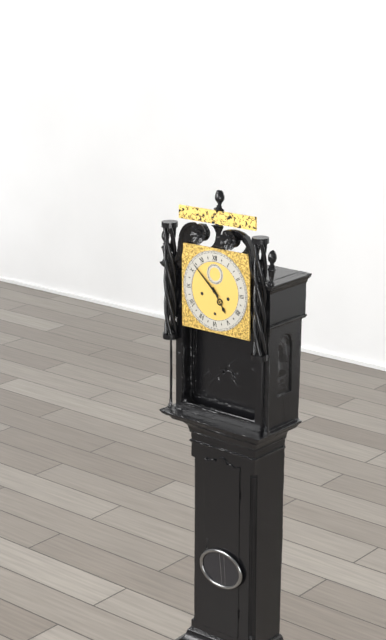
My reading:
4h52
